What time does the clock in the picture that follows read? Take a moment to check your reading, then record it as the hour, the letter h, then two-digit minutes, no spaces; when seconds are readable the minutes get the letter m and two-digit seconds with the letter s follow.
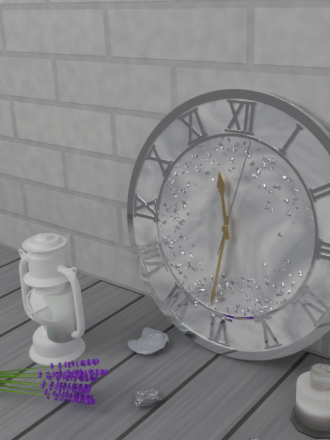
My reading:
11h31m02s
